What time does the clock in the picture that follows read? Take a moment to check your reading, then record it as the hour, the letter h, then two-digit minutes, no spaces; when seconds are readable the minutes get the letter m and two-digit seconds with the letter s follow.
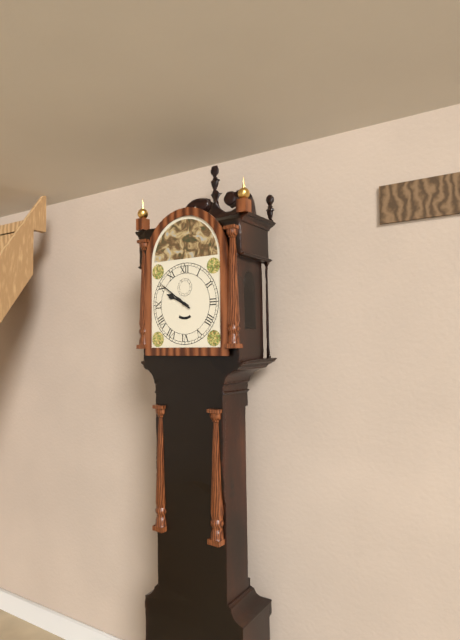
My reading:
9h51
